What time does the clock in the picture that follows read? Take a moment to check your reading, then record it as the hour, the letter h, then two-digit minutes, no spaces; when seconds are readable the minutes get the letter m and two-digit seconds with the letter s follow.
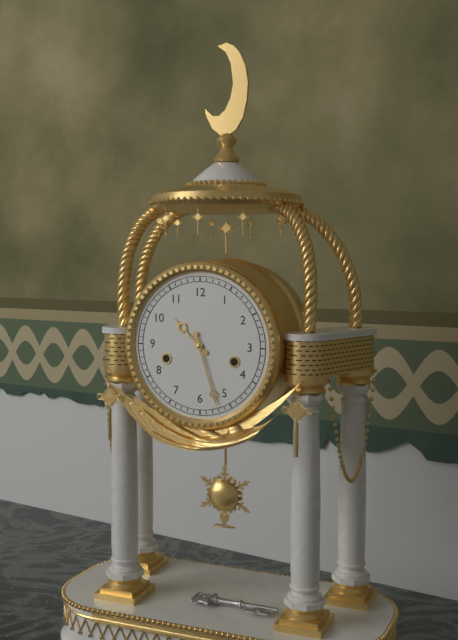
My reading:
10h27
